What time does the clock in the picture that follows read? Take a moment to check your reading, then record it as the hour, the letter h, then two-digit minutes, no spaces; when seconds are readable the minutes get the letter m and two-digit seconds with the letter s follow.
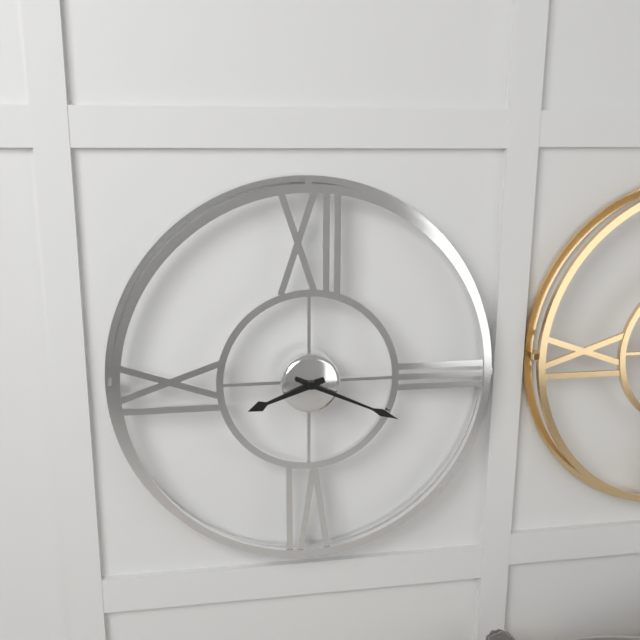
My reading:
8h19
